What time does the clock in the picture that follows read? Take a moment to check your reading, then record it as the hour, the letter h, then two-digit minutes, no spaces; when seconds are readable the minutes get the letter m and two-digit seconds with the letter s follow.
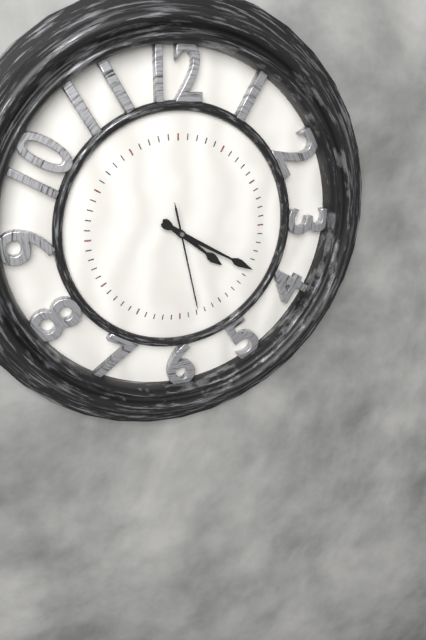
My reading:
4h20m28s
